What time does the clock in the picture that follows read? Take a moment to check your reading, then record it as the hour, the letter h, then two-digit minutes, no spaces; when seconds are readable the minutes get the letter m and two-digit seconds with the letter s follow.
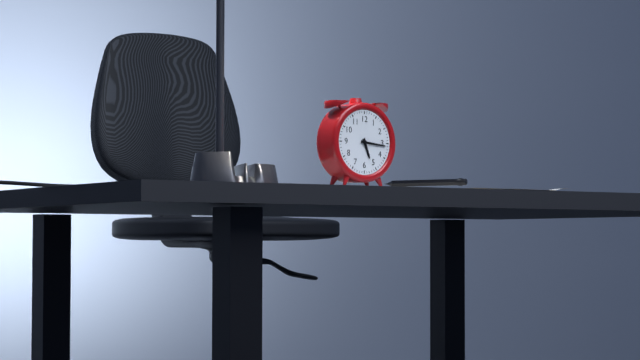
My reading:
5h16
